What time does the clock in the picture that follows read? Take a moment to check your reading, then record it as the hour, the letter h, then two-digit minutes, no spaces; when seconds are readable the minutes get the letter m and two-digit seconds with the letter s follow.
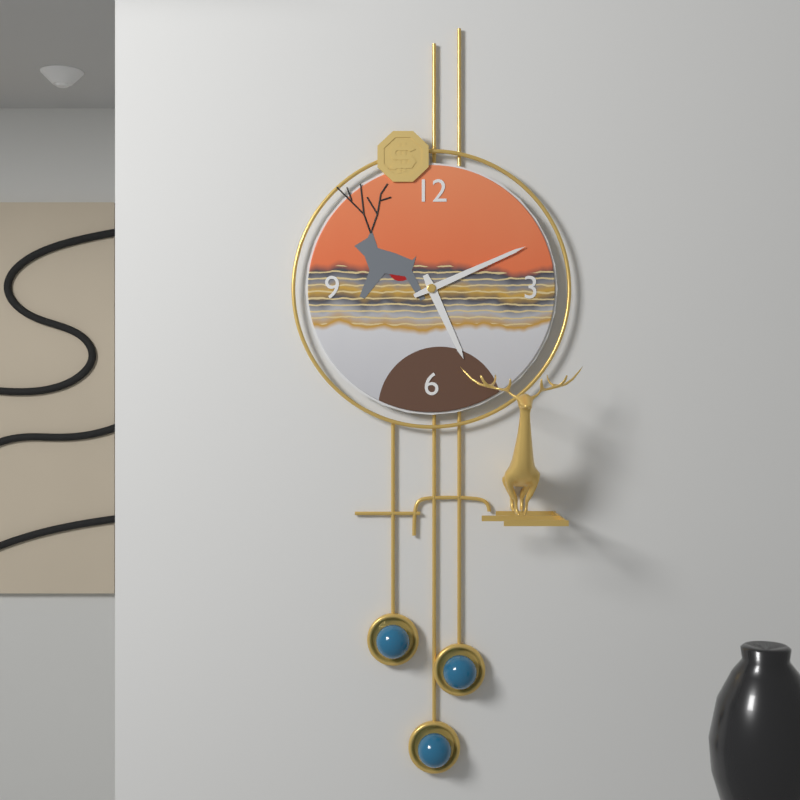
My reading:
5h11
